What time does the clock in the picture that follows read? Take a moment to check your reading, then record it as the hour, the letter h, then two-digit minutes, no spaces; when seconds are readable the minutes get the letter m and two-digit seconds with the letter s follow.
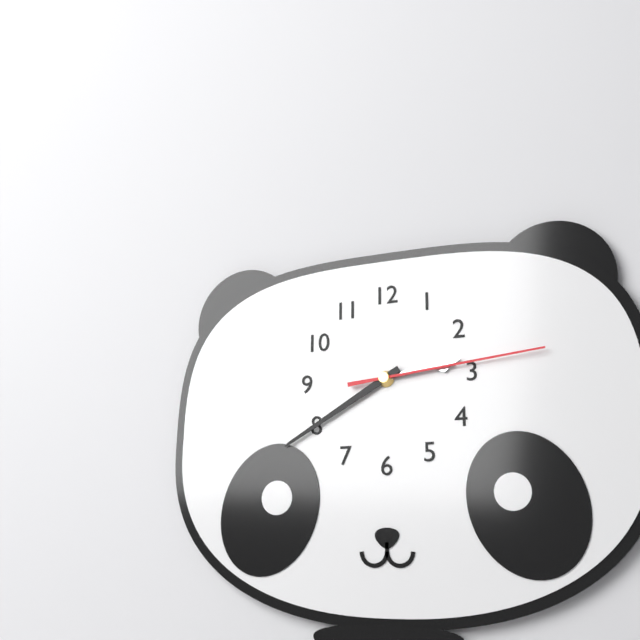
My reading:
2h40m14s
